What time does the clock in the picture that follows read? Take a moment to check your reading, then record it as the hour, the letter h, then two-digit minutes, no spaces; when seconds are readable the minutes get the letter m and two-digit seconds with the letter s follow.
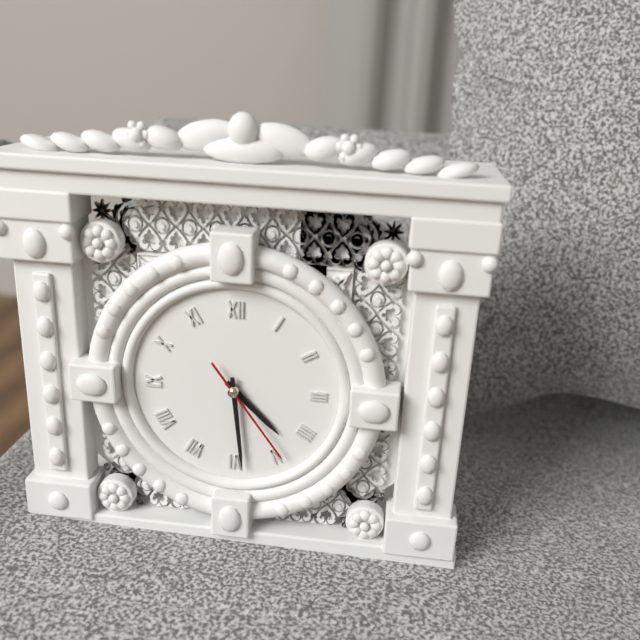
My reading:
4h29m24s
